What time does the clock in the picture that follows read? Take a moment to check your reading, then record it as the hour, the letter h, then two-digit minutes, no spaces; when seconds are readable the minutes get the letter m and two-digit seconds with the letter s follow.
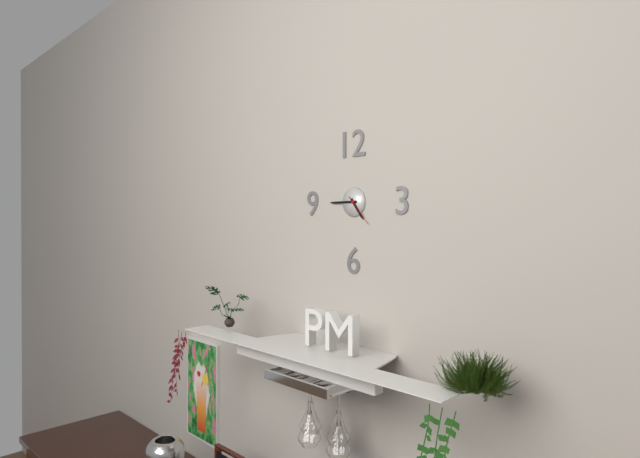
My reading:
4h45
